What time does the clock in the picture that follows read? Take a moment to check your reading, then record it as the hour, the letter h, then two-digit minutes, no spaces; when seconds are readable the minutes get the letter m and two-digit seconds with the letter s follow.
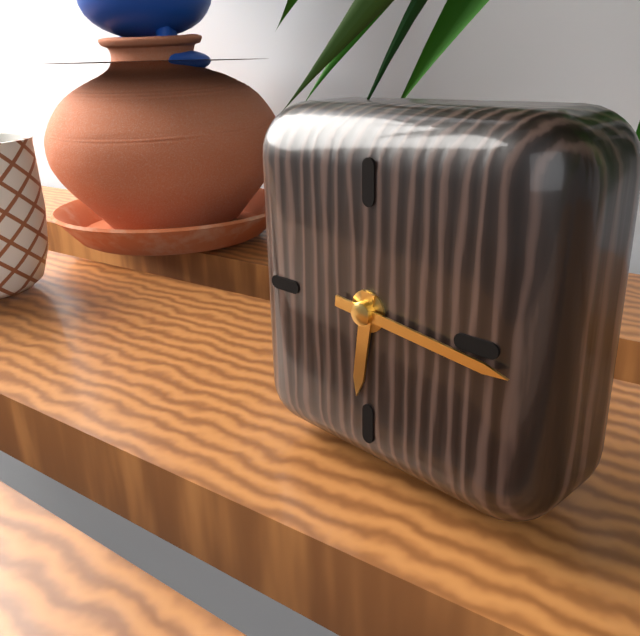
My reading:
6h16
